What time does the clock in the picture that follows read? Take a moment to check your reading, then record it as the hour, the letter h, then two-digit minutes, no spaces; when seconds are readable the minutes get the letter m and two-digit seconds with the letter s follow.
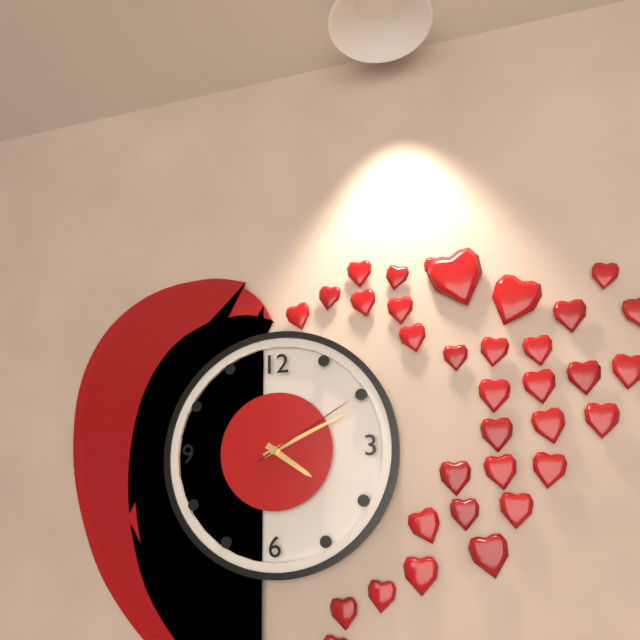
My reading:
4h11m10s
